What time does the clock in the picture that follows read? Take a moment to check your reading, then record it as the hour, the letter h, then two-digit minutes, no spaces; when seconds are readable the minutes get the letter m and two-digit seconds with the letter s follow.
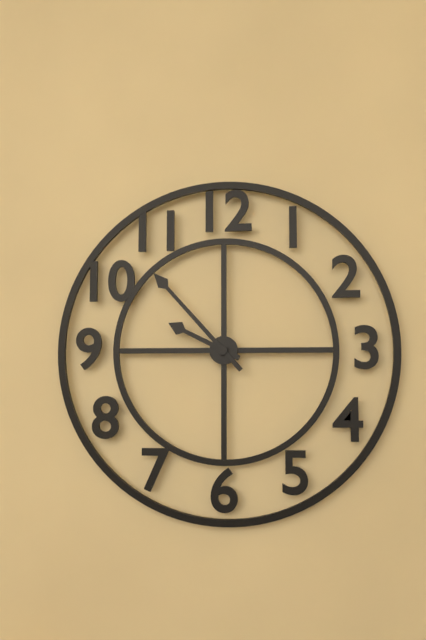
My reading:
9h53
